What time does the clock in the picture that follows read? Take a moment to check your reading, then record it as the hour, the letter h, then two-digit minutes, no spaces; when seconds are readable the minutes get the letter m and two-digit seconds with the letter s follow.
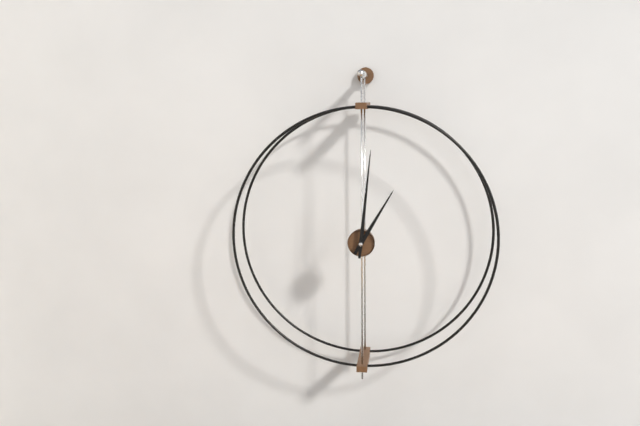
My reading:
1h01
